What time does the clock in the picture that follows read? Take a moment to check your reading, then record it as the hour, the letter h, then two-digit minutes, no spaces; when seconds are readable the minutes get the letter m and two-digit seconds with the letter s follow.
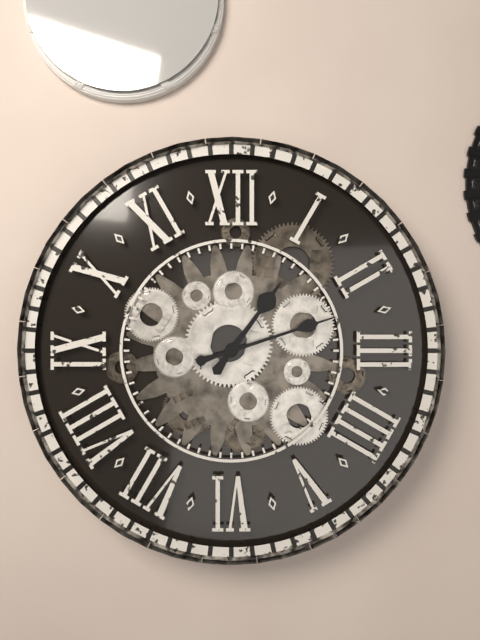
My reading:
1h12
